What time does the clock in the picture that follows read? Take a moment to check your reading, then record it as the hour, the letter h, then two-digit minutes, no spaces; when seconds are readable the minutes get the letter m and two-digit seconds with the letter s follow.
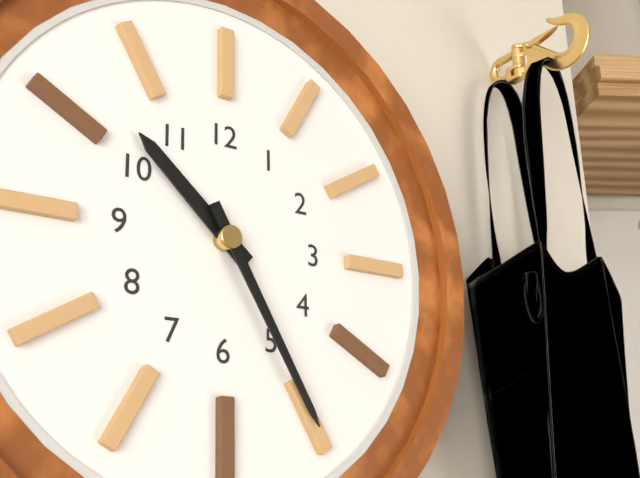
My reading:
10h25
